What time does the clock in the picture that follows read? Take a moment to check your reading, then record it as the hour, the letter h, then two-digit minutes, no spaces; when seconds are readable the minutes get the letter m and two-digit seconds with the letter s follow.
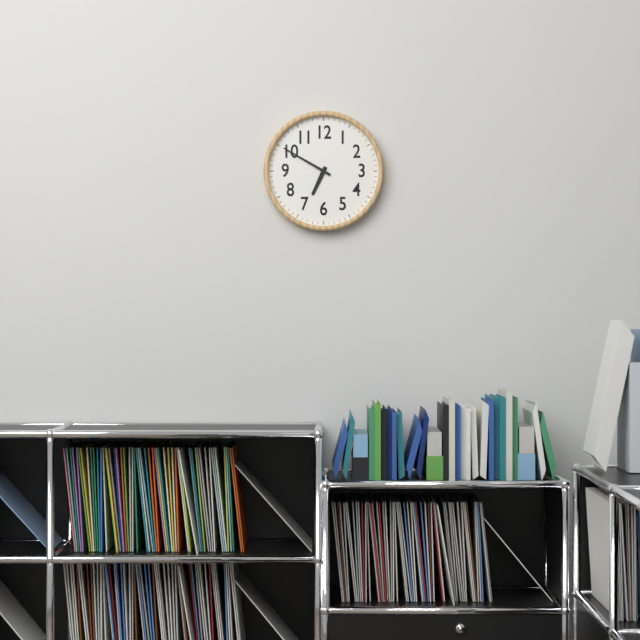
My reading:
6h50
